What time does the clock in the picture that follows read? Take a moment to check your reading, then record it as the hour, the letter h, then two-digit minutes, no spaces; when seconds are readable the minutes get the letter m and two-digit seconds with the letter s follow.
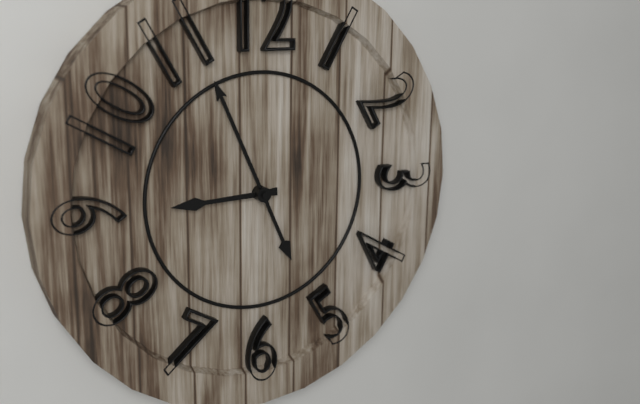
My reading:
8h56
